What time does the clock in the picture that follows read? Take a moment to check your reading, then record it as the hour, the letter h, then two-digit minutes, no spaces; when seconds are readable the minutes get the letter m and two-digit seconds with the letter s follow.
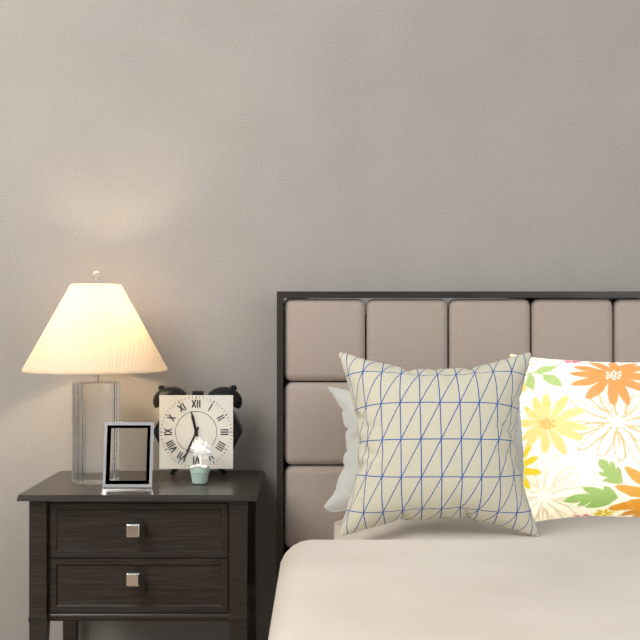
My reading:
11h34
